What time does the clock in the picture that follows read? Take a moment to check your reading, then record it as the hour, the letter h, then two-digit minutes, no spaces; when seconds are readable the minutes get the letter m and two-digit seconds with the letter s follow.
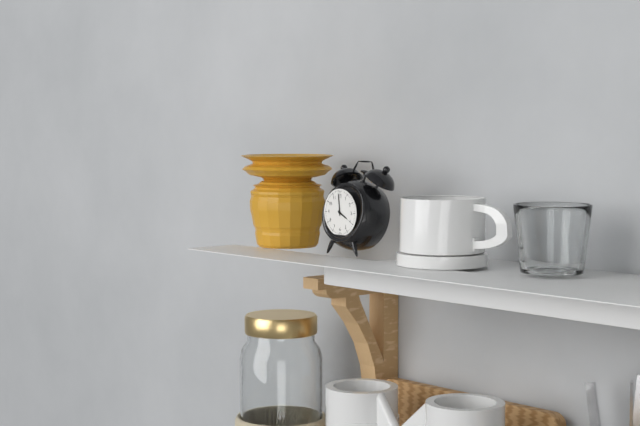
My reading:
3h59
